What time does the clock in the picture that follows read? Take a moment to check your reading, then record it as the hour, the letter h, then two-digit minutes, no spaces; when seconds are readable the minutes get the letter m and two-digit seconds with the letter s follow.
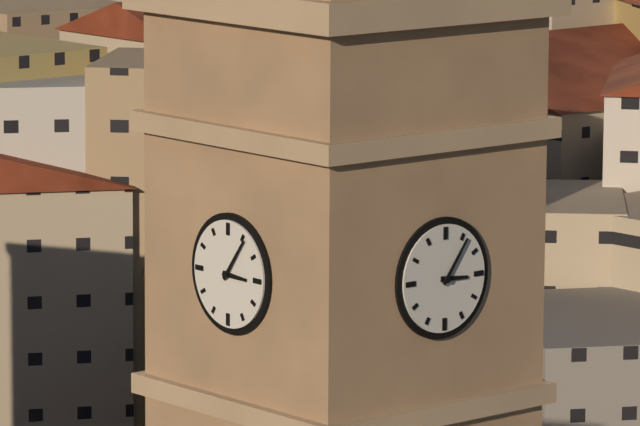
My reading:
3h06
